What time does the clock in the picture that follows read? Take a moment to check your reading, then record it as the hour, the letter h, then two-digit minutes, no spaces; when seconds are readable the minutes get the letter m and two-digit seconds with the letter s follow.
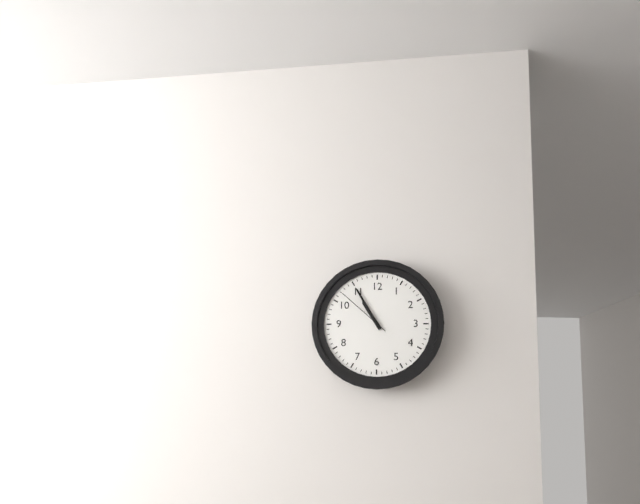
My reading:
10h55m52s
